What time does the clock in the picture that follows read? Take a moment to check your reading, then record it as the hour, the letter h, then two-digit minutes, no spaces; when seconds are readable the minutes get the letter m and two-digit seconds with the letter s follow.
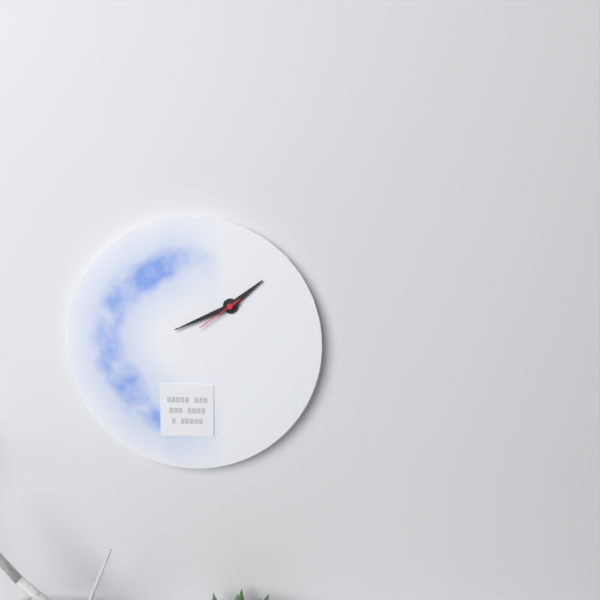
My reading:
1h41
